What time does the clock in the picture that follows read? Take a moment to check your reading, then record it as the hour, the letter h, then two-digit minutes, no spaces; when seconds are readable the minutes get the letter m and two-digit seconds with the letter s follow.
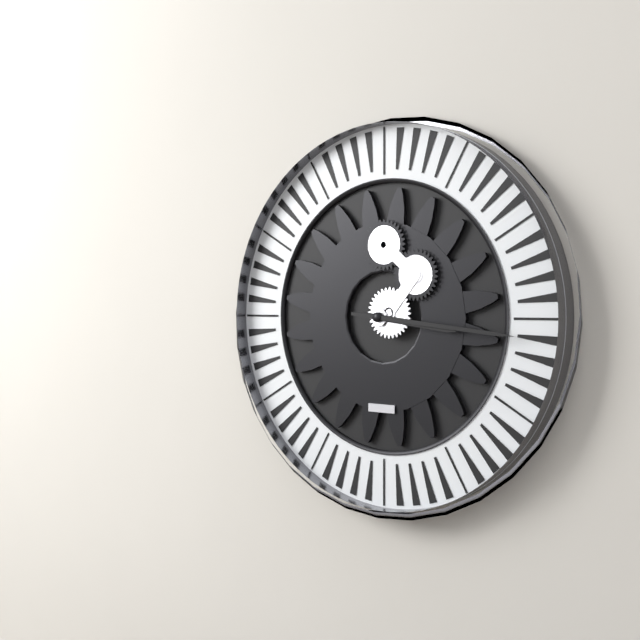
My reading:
3h16
